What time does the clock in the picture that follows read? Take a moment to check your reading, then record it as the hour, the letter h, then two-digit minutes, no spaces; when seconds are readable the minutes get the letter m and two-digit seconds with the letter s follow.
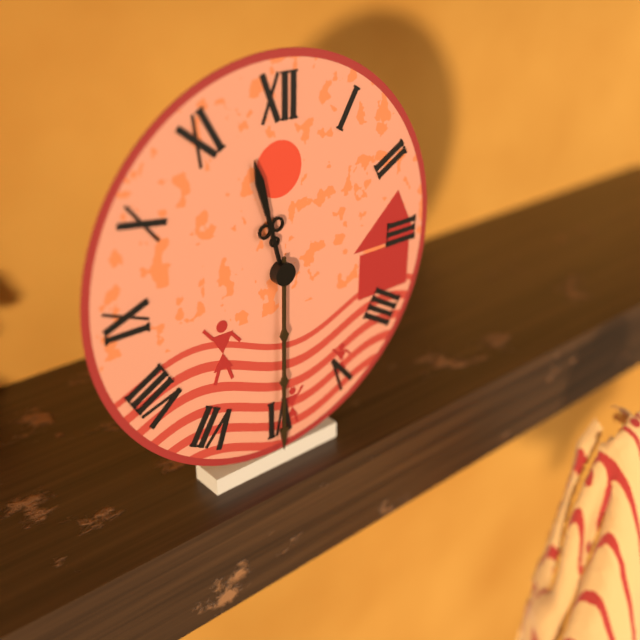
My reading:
11h30
